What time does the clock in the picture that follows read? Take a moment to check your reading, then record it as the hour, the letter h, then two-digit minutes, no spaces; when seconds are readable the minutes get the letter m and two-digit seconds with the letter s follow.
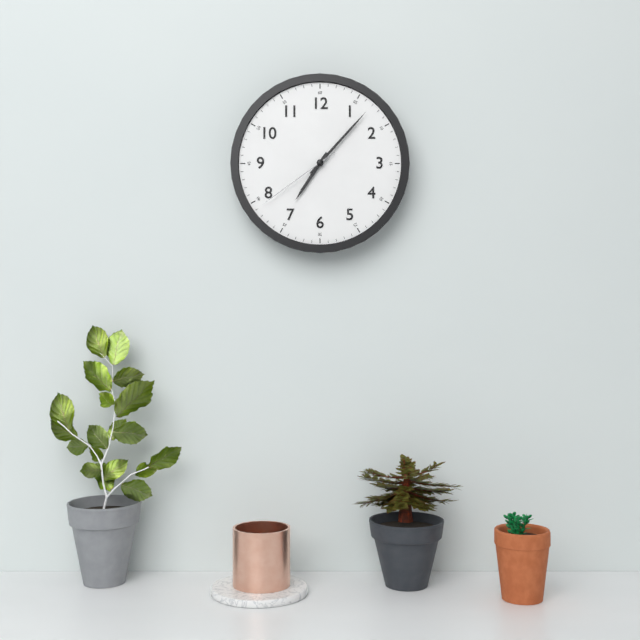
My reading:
7h07m39s
